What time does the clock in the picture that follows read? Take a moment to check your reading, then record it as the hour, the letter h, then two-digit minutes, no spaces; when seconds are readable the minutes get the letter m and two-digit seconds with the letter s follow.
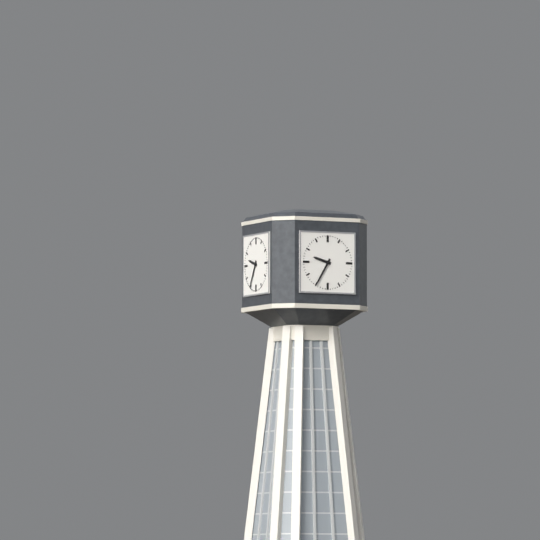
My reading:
9h35
